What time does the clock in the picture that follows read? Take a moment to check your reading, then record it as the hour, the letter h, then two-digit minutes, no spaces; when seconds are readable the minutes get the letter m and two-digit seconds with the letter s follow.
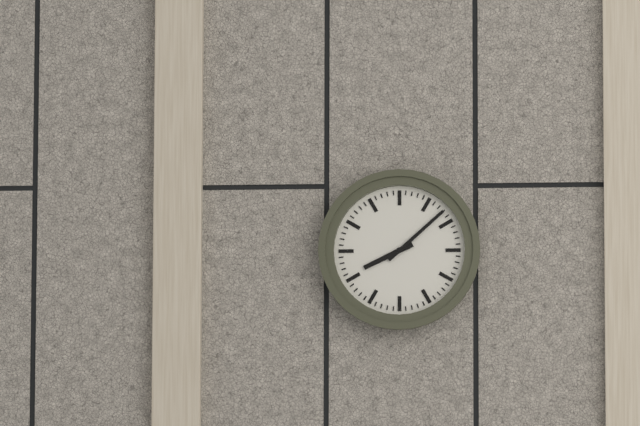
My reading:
8h08
